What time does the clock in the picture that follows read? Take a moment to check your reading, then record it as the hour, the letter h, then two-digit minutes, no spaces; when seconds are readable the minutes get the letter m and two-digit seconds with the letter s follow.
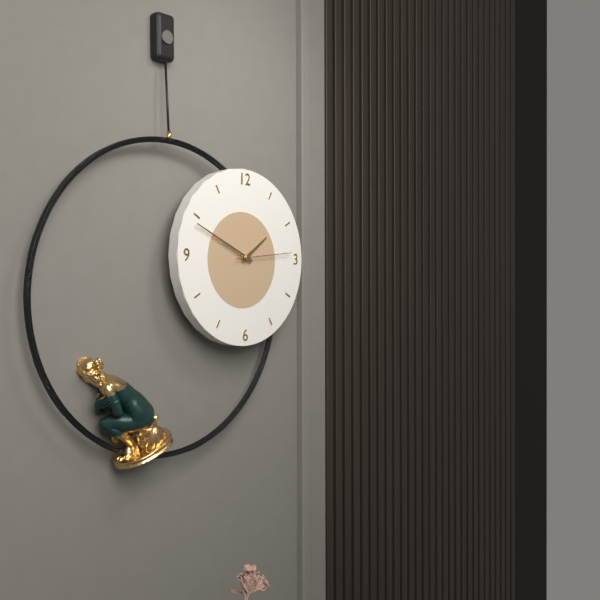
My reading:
1h49m14s
